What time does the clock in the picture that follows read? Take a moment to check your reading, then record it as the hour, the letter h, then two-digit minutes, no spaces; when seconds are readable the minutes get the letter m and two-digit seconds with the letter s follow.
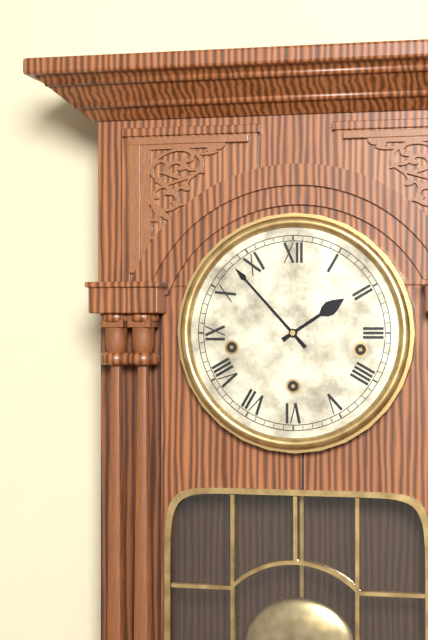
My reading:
1h53
